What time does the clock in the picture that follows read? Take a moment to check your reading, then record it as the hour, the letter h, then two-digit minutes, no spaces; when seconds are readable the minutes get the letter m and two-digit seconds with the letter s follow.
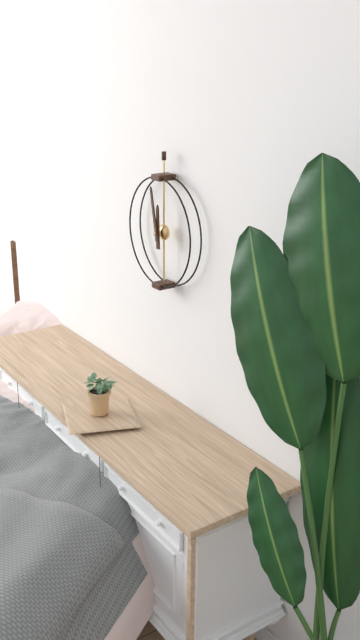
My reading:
11h58
